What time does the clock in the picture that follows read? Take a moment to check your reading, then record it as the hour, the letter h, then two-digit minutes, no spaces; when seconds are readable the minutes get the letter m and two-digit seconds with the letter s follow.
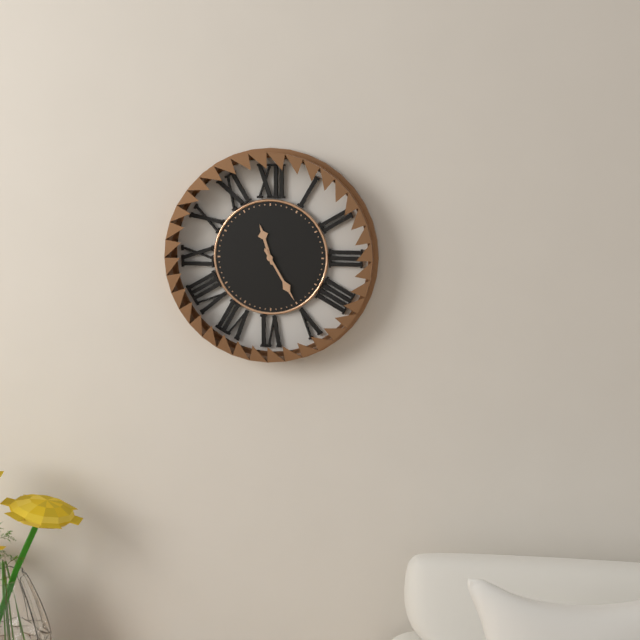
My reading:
11h25
